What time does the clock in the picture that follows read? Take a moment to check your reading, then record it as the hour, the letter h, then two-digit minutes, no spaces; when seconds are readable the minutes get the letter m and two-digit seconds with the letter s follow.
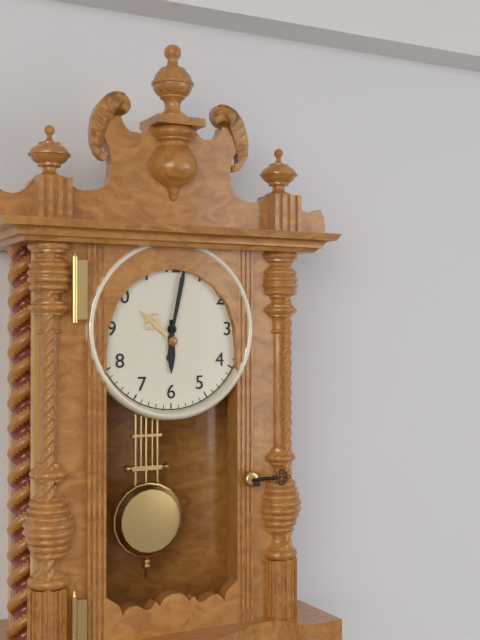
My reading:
6h02
